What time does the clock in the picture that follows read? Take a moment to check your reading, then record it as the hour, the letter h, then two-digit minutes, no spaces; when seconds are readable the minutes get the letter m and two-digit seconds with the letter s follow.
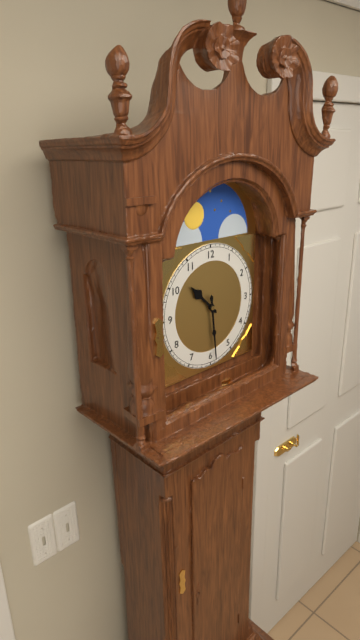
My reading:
10h29
